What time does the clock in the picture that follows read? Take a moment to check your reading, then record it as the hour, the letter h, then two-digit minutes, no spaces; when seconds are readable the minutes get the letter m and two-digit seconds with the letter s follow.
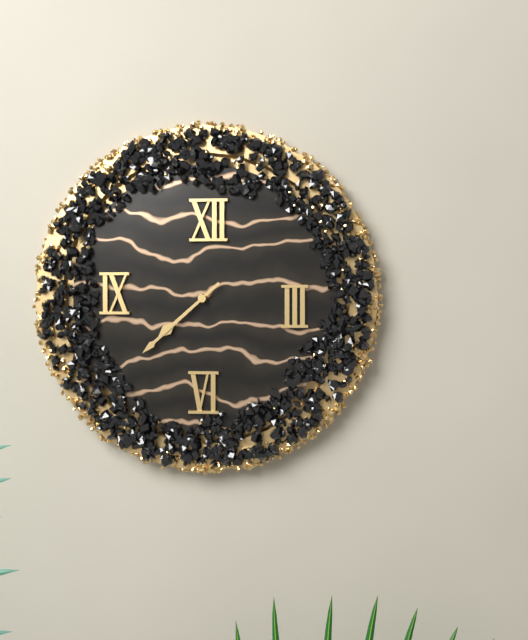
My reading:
7h38
